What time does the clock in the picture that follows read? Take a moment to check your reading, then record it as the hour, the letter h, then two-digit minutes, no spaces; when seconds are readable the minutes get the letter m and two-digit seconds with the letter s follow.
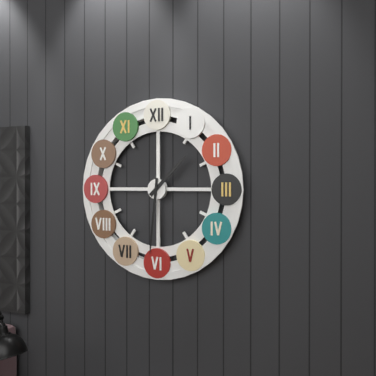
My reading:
1h31
